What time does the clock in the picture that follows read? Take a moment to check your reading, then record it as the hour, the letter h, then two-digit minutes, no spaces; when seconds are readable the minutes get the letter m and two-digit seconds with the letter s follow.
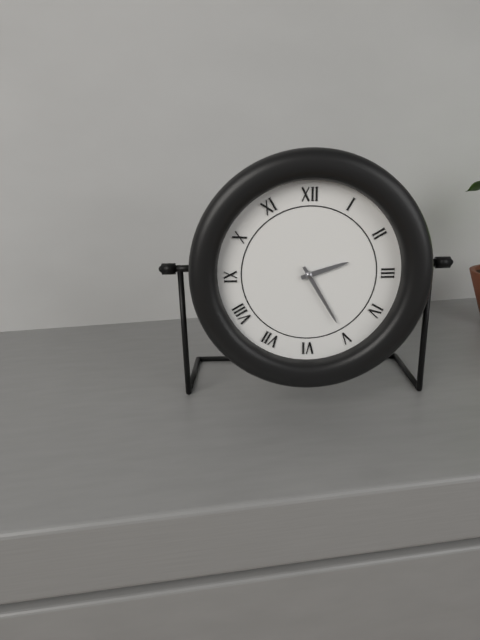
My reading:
2h25
